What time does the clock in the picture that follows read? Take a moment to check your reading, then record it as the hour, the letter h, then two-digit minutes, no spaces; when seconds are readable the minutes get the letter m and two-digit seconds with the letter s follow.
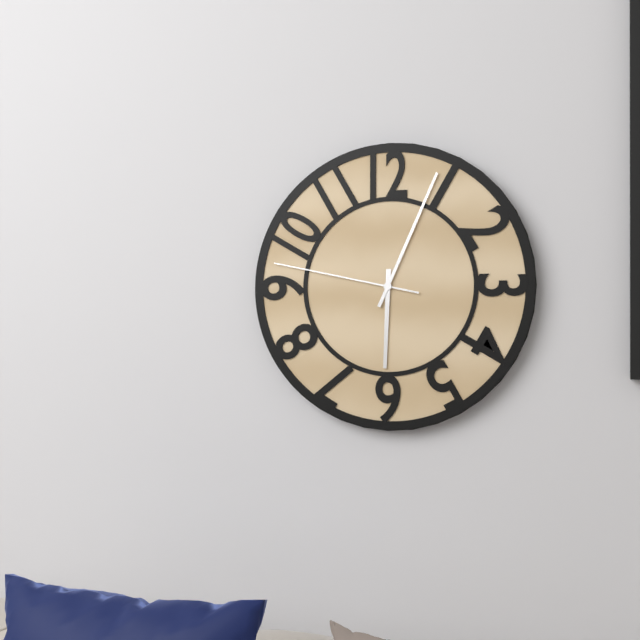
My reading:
6h04m47s
